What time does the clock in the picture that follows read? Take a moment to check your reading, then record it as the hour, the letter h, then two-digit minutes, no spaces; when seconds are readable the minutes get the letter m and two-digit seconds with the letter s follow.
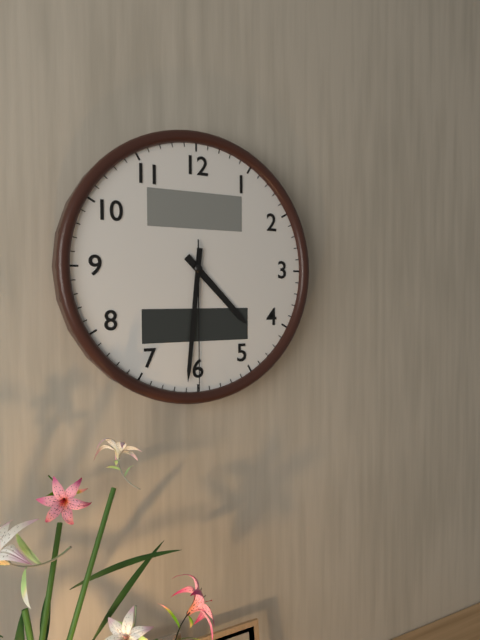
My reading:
4h31m30s
